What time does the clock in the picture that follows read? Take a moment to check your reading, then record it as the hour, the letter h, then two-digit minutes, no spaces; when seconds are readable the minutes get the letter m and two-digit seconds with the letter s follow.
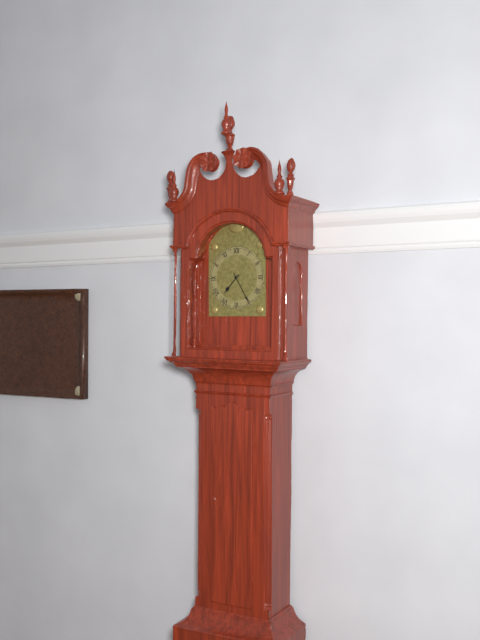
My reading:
7h25
